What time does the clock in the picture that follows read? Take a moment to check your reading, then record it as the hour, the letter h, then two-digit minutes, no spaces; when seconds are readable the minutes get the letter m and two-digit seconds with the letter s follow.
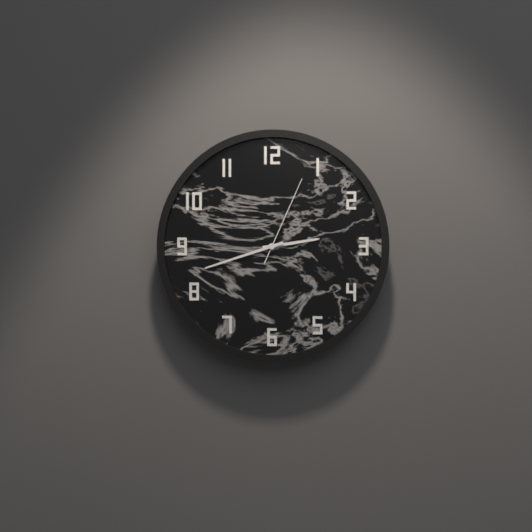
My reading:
2h42m04s
